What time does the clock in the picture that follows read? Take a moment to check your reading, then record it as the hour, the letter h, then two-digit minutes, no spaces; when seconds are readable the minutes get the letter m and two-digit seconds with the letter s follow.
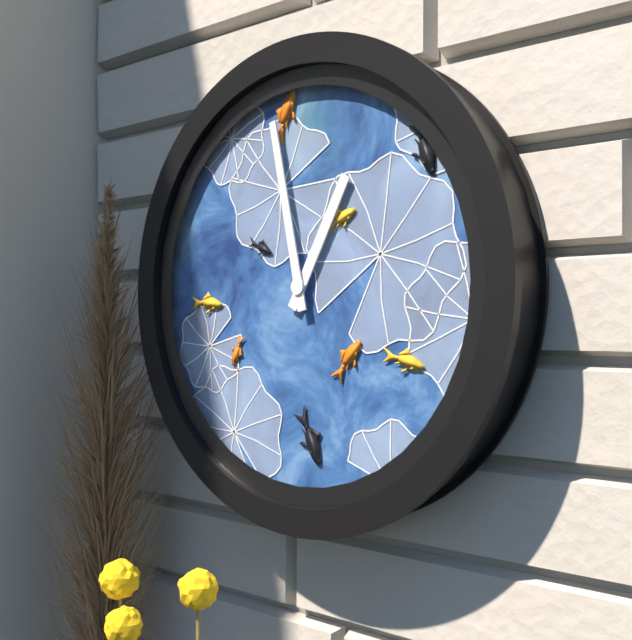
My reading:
12h58
